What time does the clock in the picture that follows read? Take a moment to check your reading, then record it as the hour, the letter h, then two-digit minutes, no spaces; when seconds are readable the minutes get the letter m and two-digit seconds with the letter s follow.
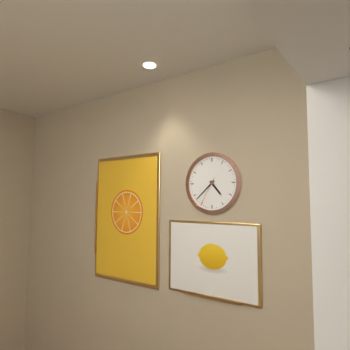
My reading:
4h38
